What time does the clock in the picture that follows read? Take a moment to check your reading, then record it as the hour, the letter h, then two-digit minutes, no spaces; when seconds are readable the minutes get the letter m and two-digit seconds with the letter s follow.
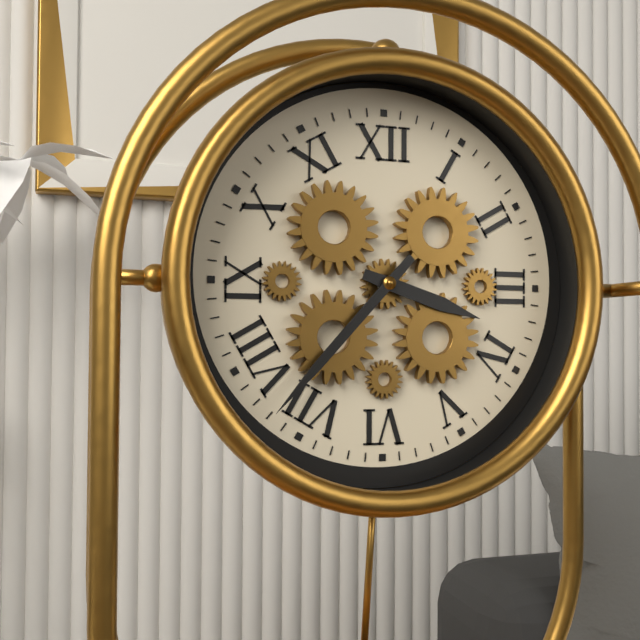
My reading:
3h37
